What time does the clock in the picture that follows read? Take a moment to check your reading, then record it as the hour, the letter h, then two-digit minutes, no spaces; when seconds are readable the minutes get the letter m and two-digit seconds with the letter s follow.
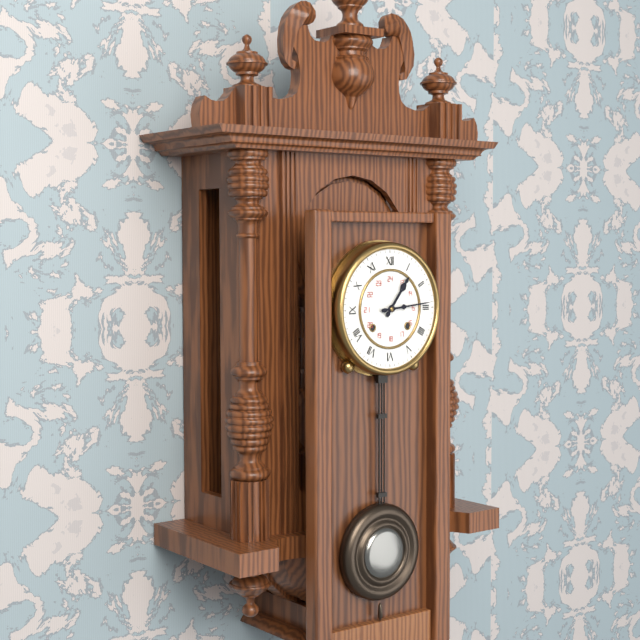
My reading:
1h14
